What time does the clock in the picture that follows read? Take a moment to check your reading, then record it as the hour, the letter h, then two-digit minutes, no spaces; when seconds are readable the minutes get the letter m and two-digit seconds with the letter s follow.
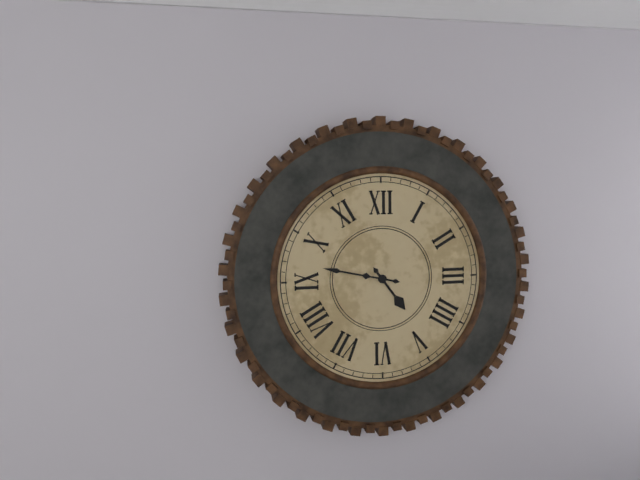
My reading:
4h47
